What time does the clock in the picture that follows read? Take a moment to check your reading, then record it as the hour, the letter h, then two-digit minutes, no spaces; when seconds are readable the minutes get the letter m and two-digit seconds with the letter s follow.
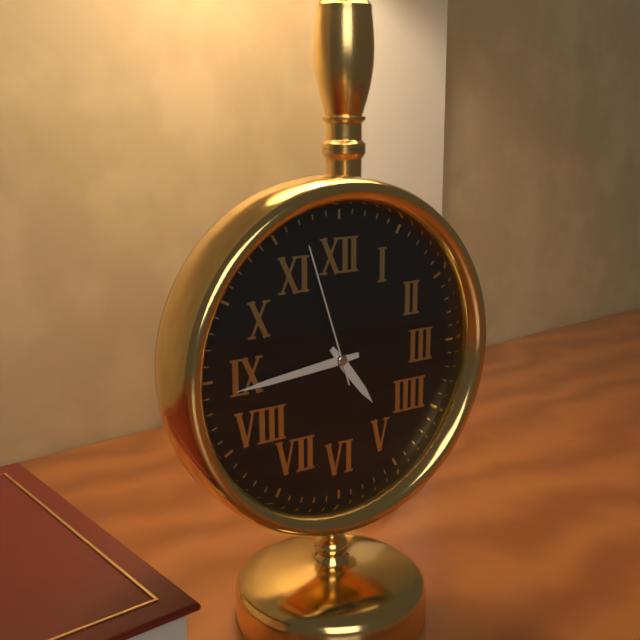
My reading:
4h44m57s
